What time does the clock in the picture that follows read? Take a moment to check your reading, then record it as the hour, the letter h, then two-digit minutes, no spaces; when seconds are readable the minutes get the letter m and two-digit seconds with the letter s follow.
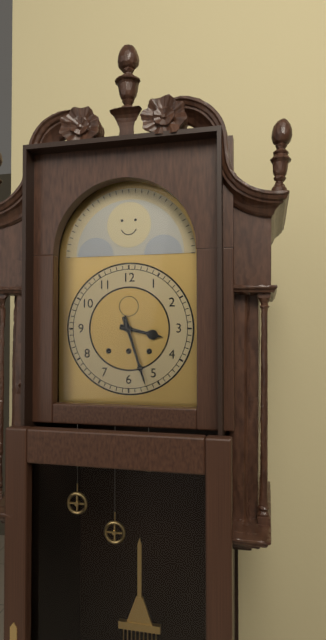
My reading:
3h27
